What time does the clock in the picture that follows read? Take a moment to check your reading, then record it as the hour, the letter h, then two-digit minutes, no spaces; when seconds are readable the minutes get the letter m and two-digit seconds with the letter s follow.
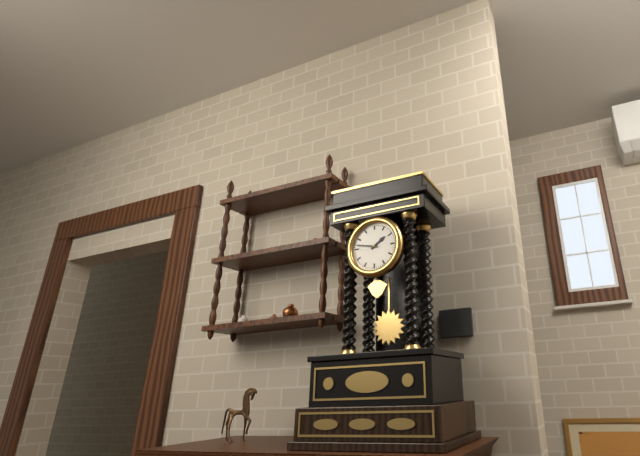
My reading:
1h47
